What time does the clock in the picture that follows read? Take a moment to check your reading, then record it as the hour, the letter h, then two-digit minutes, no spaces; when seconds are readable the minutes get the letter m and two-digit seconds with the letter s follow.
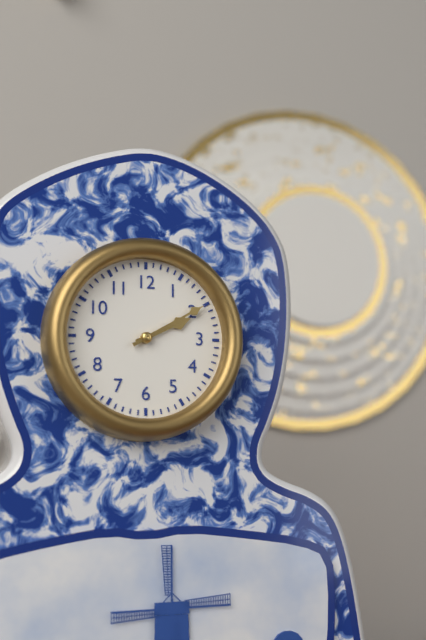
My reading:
2h10
